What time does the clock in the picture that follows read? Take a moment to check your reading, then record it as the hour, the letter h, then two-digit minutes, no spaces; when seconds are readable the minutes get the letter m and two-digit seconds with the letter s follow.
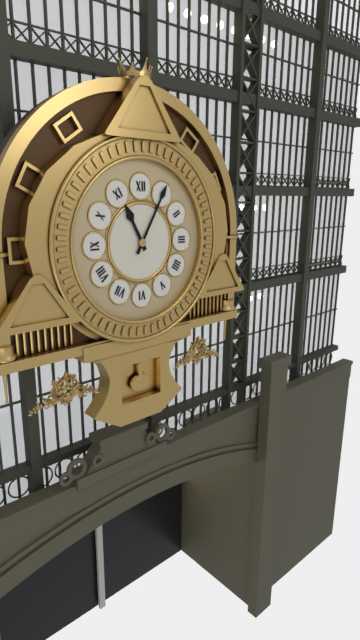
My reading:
11h05
